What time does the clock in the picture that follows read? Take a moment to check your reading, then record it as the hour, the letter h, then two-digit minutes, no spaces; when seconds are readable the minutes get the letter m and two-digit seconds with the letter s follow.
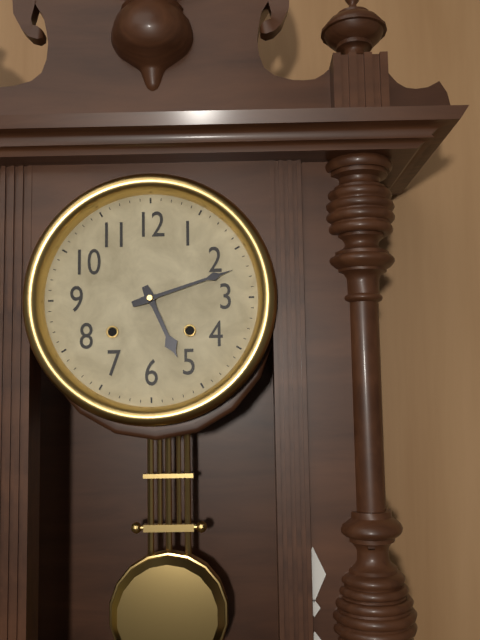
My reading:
5h12
